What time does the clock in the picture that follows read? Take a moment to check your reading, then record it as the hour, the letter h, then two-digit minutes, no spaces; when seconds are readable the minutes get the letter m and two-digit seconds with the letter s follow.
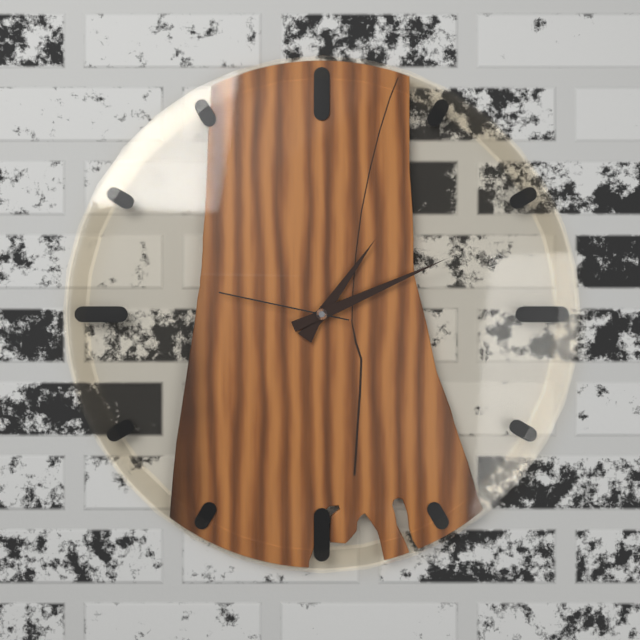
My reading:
1h11m47s
